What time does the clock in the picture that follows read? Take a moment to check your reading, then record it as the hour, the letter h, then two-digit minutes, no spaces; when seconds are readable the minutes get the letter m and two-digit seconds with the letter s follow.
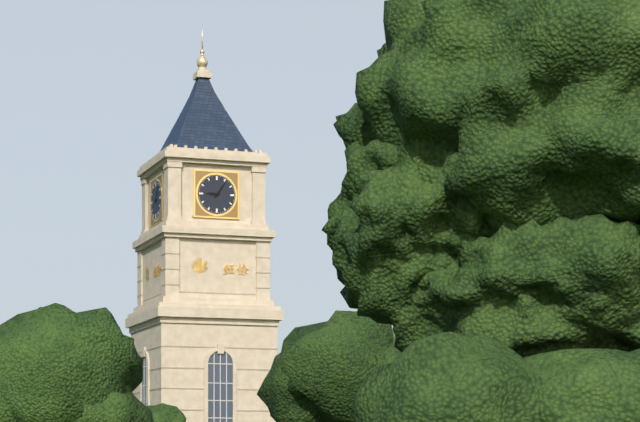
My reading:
9h06
